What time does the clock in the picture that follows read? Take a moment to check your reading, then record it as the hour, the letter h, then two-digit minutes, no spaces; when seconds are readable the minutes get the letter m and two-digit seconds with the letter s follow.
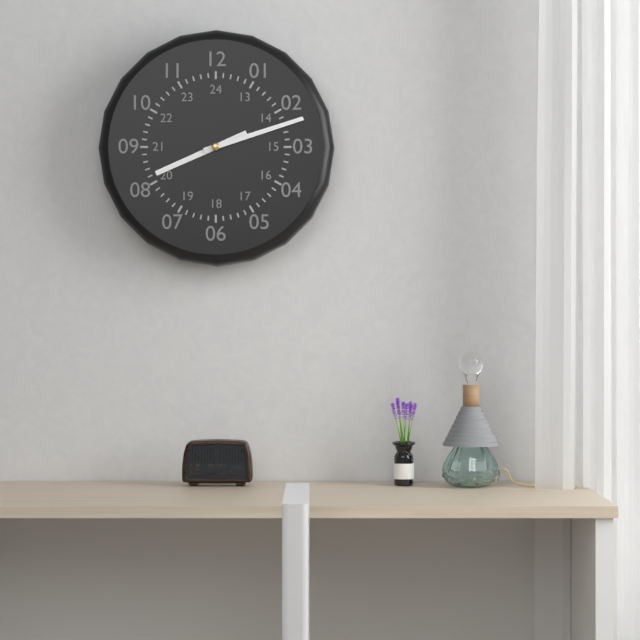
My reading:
8h12
